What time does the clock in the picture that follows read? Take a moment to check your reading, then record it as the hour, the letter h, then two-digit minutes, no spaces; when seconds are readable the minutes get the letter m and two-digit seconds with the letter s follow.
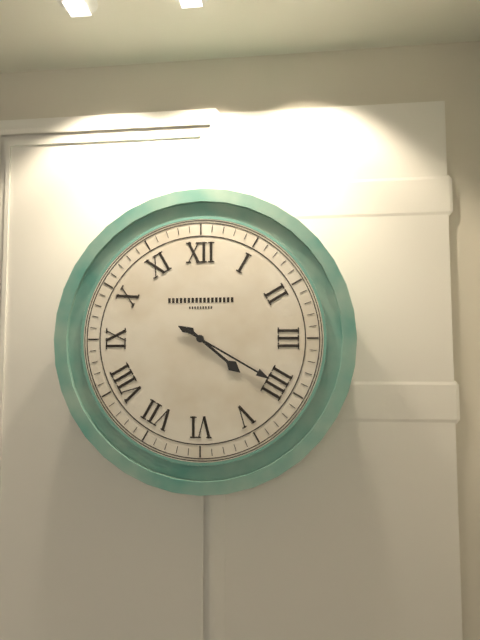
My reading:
4h20
